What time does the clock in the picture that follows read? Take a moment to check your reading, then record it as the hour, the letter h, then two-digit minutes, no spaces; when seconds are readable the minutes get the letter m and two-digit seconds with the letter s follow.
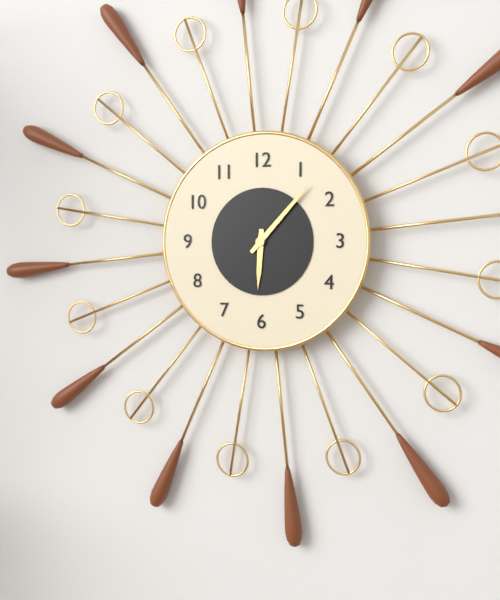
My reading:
6h07
